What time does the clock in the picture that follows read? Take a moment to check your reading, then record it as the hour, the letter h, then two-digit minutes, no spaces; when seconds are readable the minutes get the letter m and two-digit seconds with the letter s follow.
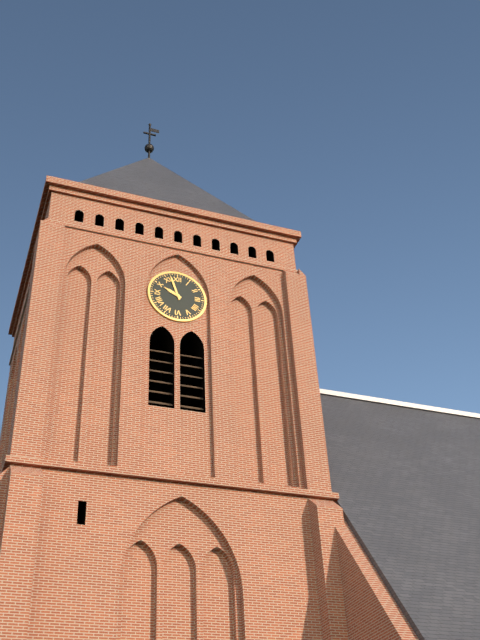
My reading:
9h57
